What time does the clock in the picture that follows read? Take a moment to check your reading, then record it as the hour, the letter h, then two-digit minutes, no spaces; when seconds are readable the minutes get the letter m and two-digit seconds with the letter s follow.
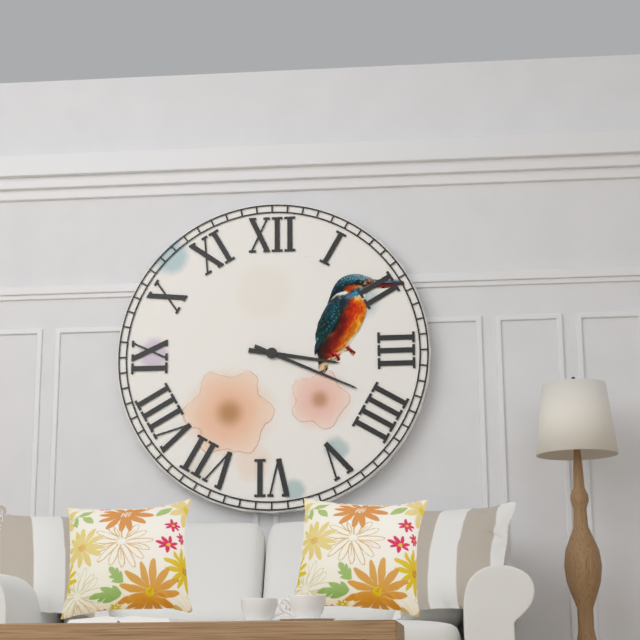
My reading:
3h19
